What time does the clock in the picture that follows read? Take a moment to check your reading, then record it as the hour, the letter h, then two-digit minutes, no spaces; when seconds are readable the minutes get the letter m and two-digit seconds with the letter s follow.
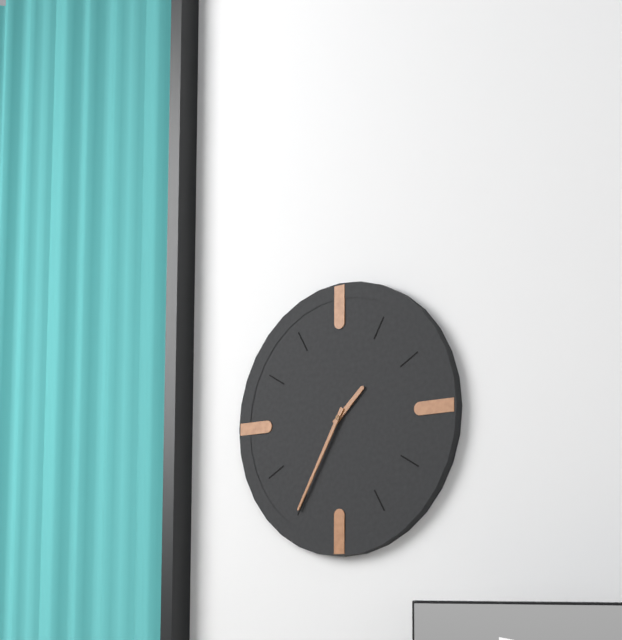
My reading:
1h35
